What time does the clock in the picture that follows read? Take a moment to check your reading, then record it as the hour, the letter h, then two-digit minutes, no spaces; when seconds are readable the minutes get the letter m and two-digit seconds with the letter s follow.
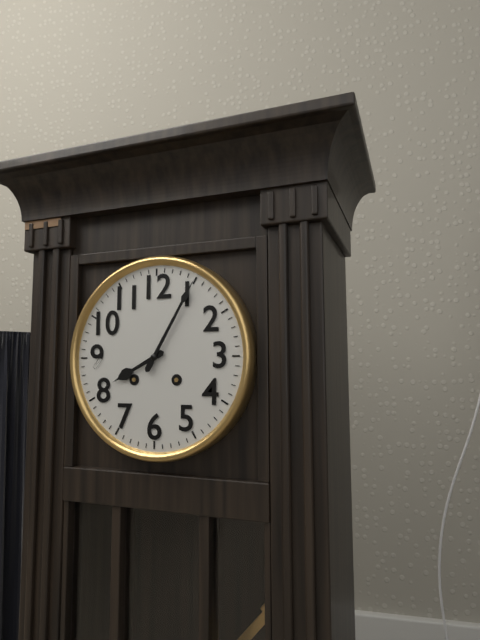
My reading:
8h05
